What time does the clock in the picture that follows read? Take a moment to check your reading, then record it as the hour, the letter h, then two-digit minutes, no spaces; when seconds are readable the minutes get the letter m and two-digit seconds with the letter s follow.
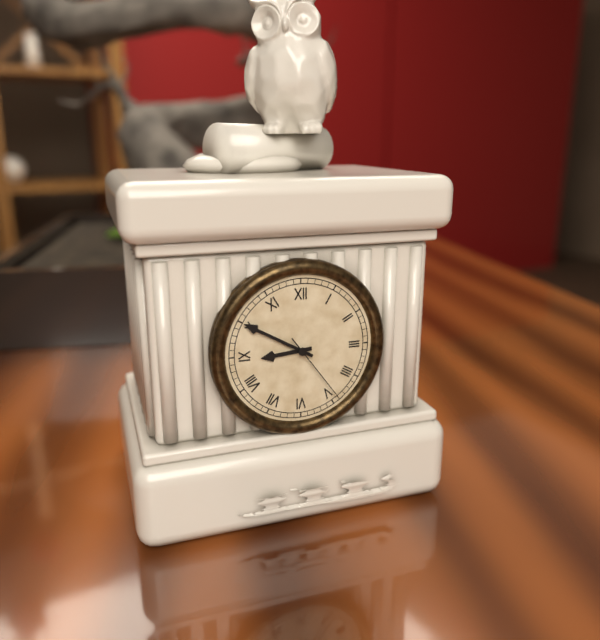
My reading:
8h50m24s
